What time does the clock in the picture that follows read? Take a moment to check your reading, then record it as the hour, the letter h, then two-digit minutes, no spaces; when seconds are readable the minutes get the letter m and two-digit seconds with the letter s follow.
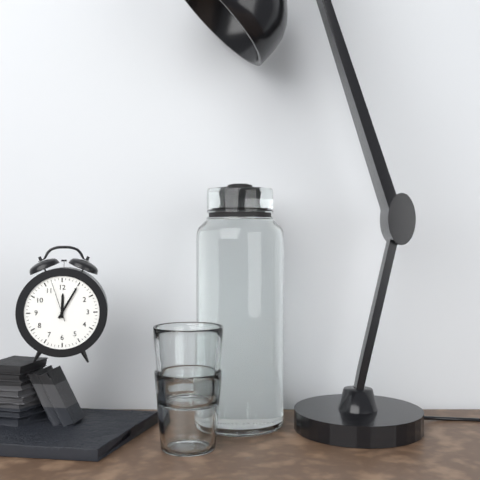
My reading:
12h05
